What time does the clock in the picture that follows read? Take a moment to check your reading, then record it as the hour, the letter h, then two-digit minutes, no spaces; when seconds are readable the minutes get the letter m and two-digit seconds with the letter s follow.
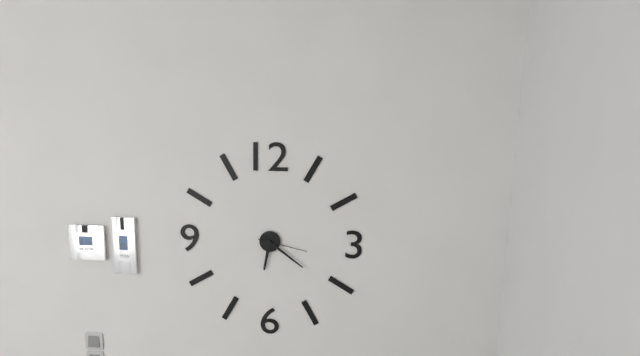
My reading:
6h21
